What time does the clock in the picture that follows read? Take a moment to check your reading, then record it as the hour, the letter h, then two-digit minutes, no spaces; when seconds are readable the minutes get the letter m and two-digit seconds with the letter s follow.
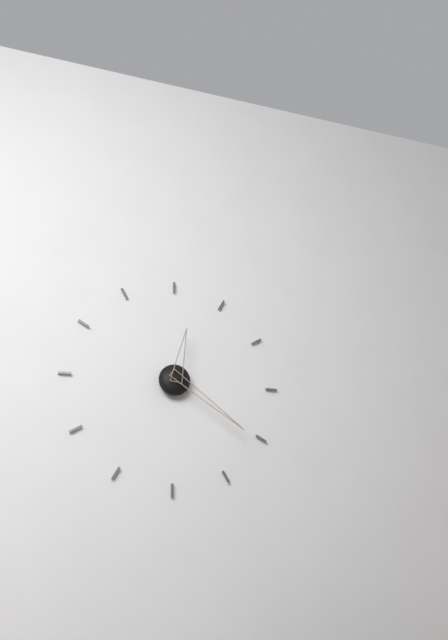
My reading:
12h21
